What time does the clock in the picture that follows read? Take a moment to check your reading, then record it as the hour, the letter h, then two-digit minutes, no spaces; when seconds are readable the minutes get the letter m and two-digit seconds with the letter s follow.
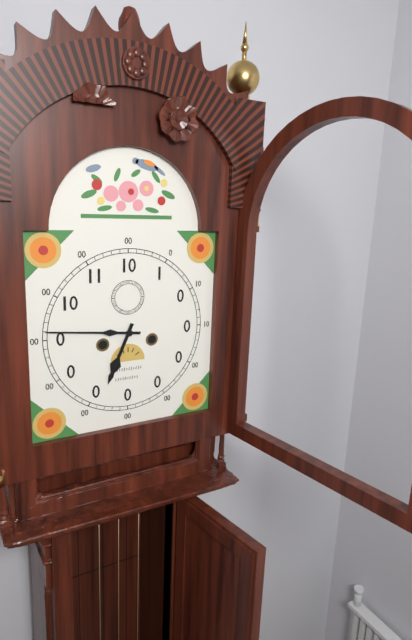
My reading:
6h46
